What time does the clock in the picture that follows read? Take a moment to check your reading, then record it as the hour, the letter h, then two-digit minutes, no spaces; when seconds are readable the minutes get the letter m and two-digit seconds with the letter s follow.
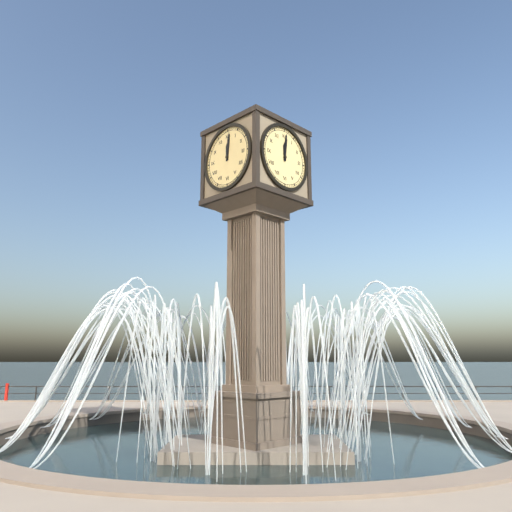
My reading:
12h01
